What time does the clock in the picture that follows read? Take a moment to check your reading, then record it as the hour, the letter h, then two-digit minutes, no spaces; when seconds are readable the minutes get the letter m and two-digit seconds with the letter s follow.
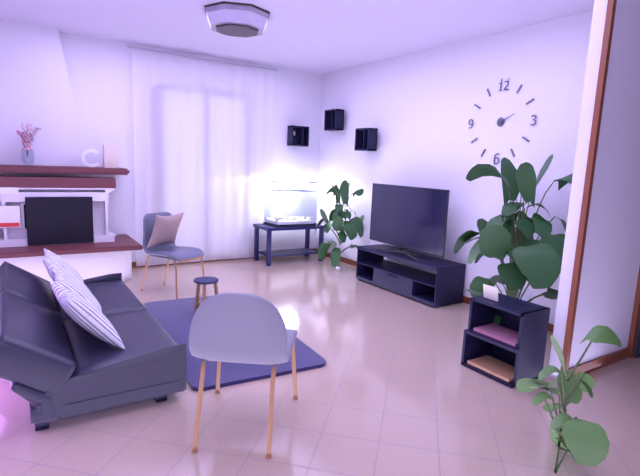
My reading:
2h11
